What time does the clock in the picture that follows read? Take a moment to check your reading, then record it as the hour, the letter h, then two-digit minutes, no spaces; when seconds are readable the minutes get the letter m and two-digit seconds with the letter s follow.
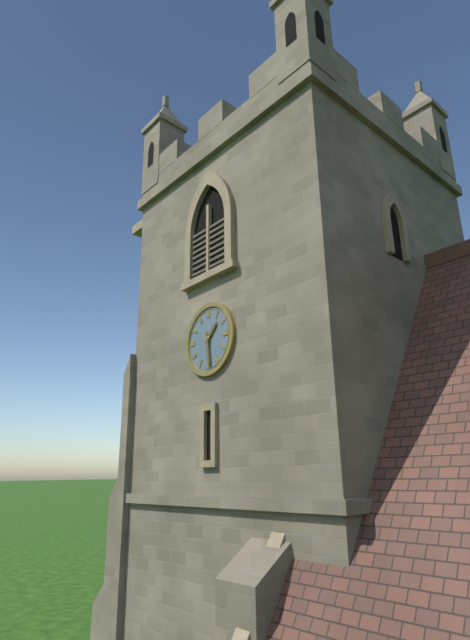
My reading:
1h29
